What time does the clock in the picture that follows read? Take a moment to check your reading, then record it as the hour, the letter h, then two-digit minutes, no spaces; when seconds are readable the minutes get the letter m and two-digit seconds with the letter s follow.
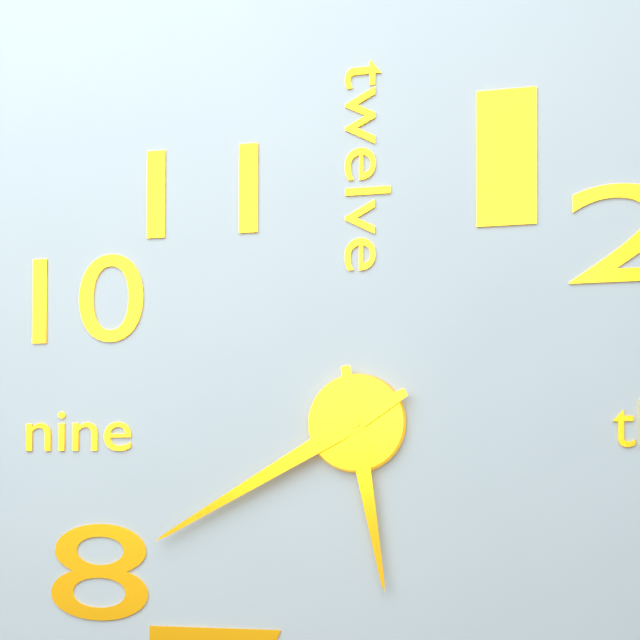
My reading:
5h40
